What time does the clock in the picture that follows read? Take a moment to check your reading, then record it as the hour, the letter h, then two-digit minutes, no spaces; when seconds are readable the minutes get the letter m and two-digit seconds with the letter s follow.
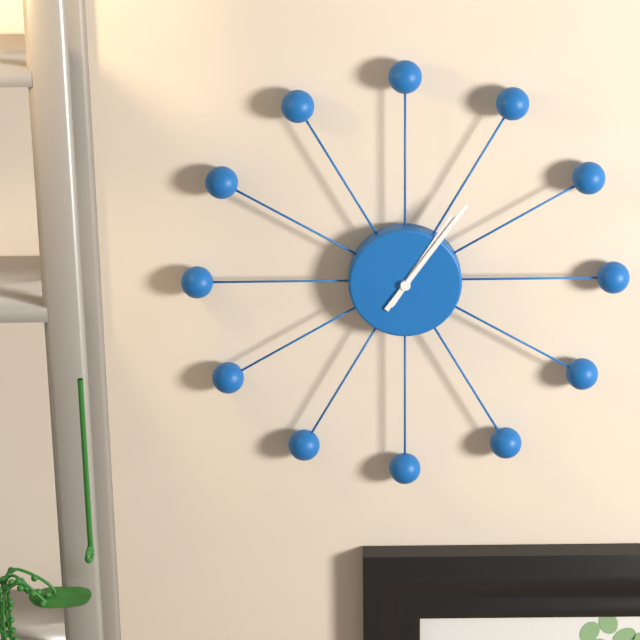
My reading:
1h06
